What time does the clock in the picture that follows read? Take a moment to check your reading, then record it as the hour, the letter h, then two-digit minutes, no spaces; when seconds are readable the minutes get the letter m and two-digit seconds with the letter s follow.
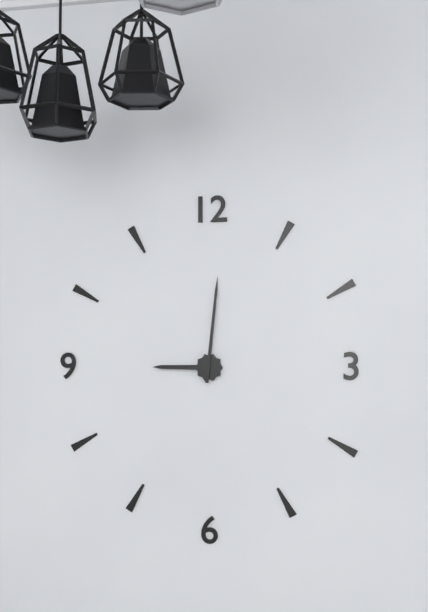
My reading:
9h01
